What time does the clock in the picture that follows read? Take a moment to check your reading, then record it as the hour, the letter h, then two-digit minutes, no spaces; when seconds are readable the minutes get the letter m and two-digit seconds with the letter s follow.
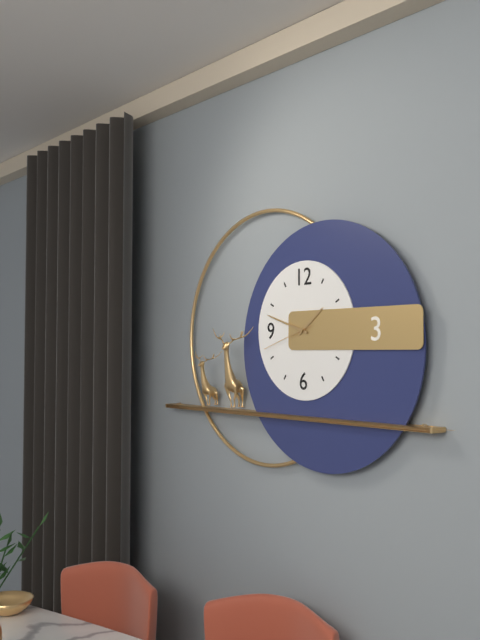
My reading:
1h48m42s
